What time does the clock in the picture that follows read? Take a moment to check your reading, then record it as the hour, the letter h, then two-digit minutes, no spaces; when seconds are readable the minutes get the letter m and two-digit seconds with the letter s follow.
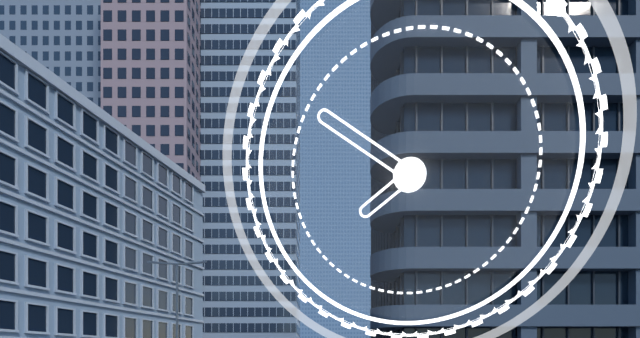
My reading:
7h51
